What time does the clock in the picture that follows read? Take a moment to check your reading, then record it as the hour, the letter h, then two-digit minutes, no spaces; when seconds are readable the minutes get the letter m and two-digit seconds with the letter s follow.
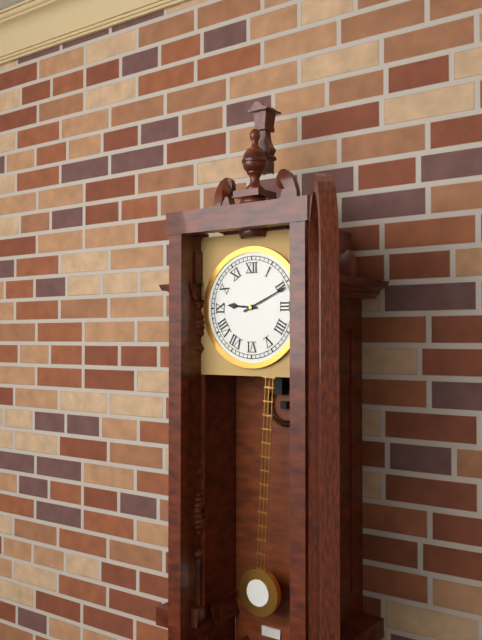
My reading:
9h11
